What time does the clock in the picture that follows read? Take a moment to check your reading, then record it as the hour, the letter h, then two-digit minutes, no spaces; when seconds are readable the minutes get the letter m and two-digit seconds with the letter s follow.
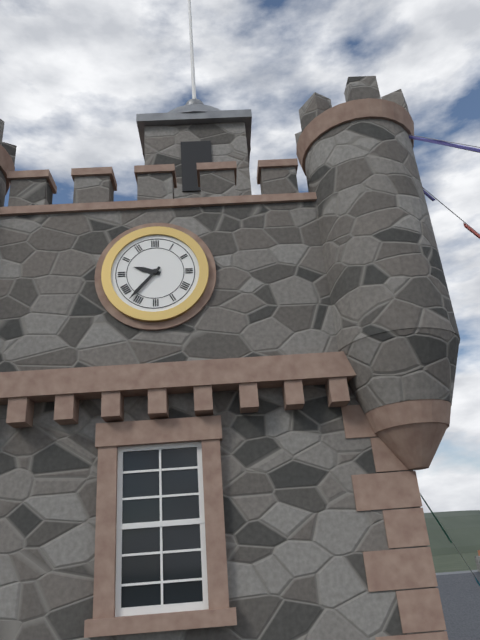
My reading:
9h37
